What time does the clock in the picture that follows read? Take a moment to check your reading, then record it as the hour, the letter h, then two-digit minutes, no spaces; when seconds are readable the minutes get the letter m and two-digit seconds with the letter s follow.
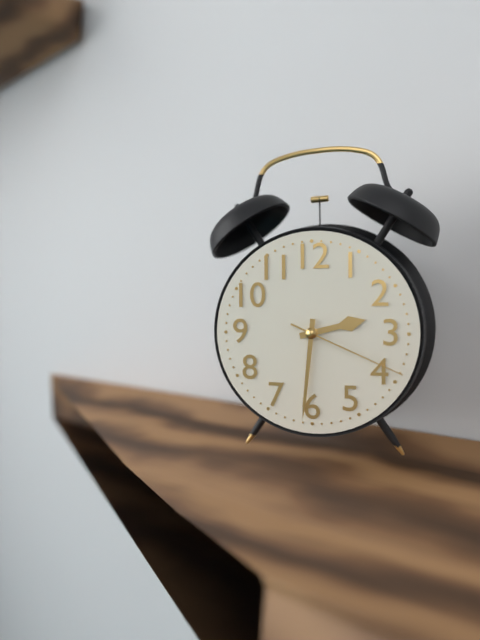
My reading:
2h31m19s
